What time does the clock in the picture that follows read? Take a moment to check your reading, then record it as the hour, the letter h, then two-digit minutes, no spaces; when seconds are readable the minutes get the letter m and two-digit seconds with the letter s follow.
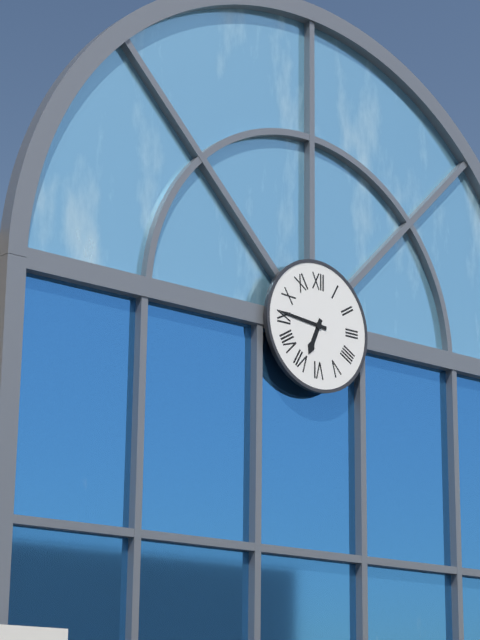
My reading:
6h46
